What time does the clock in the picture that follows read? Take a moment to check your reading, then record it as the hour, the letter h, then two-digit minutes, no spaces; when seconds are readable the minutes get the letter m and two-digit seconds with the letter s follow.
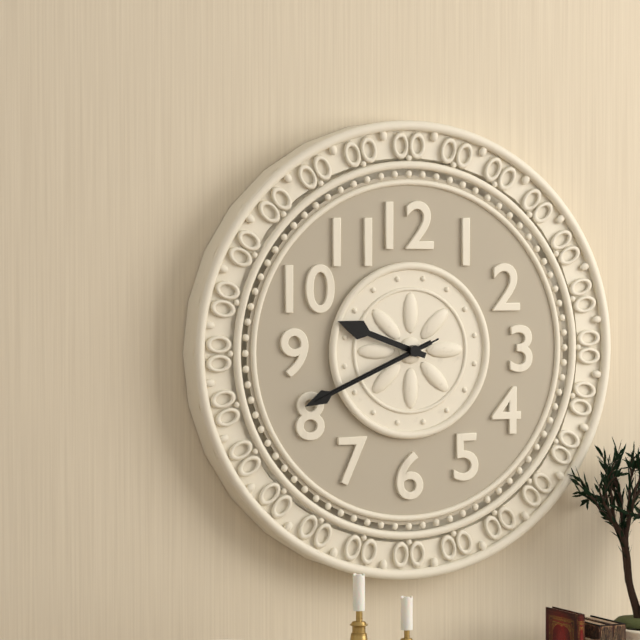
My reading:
9h41m41s
